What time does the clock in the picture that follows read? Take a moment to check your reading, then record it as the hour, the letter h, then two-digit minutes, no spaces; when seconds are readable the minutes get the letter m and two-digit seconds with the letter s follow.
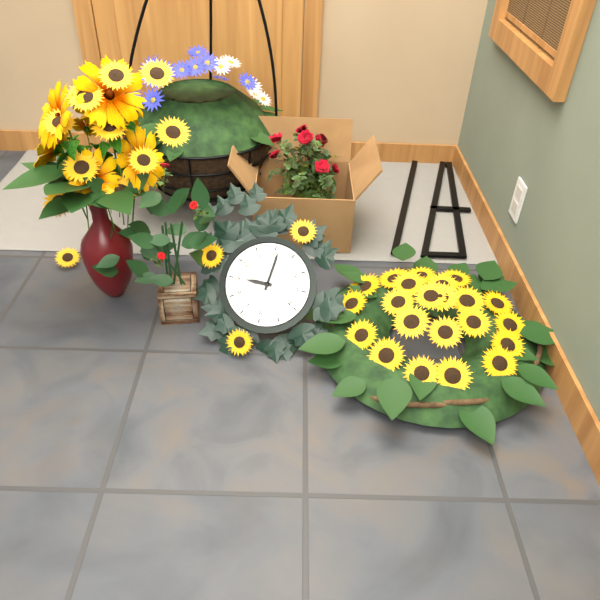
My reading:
9h01
